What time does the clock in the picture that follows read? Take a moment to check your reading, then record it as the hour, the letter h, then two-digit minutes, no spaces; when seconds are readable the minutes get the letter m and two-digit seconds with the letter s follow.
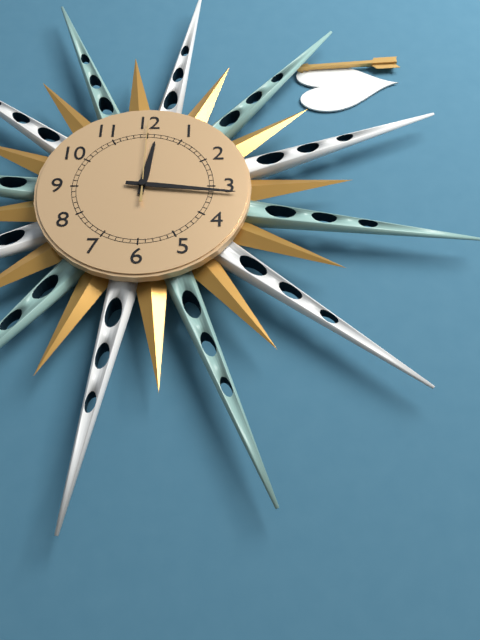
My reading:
12h16m00s
